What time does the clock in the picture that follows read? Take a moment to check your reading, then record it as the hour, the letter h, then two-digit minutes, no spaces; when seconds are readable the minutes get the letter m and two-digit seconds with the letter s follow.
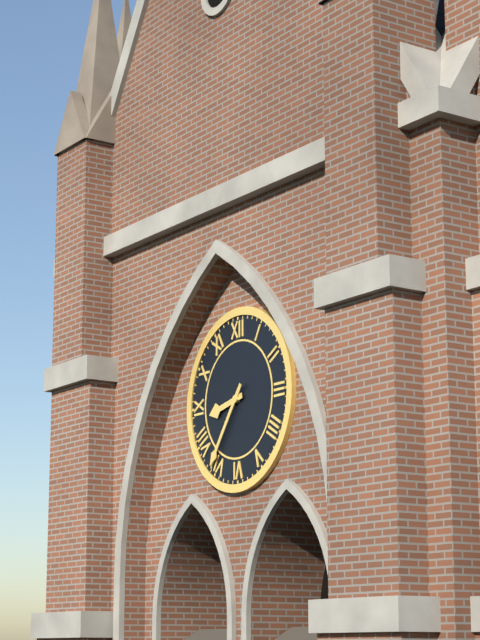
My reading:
8h36
